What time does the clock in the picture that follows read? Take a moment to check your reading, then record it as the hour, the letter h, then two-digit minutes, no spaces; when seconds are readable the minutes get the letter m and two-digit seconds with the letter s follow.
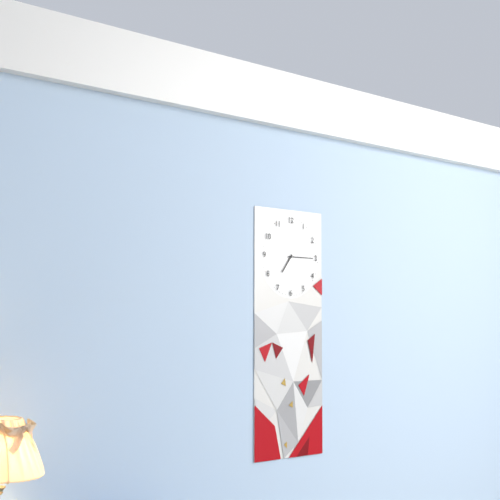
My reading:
7h15
